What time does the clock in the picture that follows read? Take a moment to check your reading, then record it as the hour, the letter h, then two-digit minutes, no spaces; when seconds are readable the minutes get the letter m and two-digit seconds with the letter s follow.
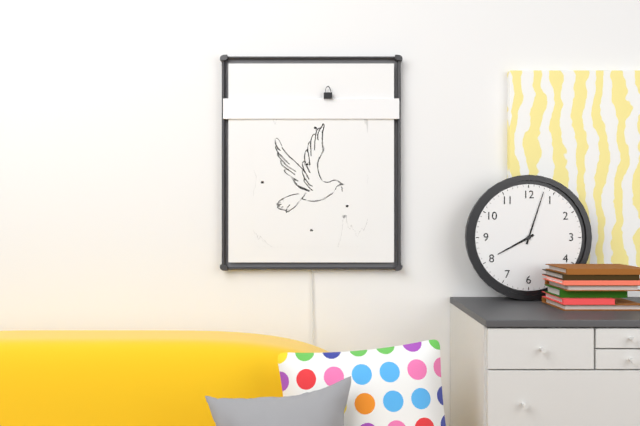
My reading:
8h03
